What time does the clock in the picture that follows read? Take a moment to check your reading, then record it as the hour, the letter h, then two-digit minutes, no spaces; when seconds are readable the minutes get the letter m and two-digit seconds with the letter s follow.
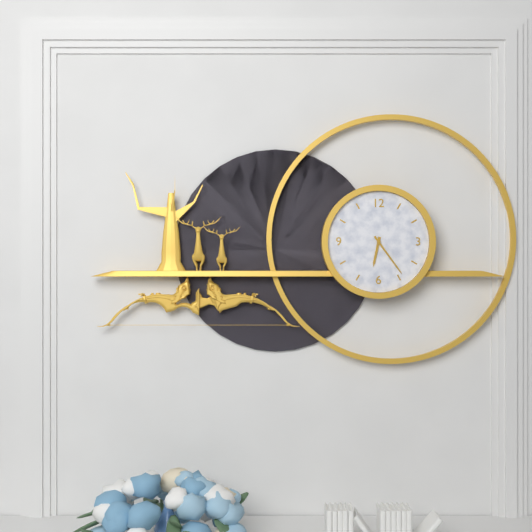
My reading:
6h24
